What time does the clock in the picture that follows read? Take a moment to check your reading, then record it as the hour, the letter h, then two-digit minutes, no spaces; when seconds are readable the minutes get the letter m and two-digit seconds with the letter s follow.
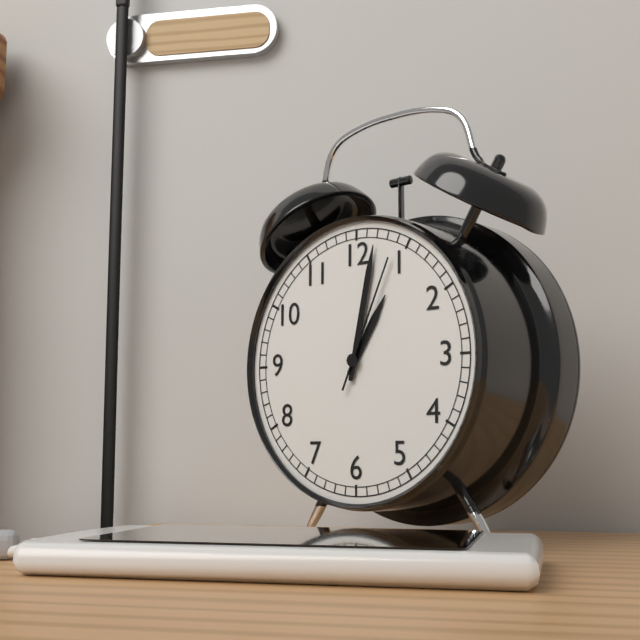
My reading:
1h02m04s
